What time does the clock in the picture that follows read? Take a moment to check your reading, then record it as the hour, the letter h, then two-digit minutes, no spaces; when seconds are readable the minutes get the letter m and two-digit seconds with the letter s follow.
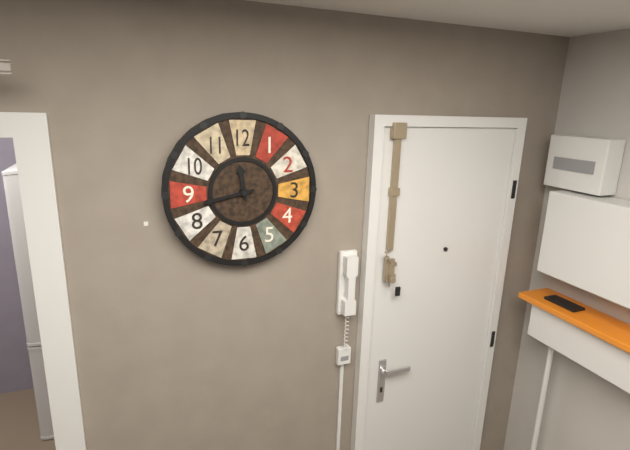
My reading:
11h43
